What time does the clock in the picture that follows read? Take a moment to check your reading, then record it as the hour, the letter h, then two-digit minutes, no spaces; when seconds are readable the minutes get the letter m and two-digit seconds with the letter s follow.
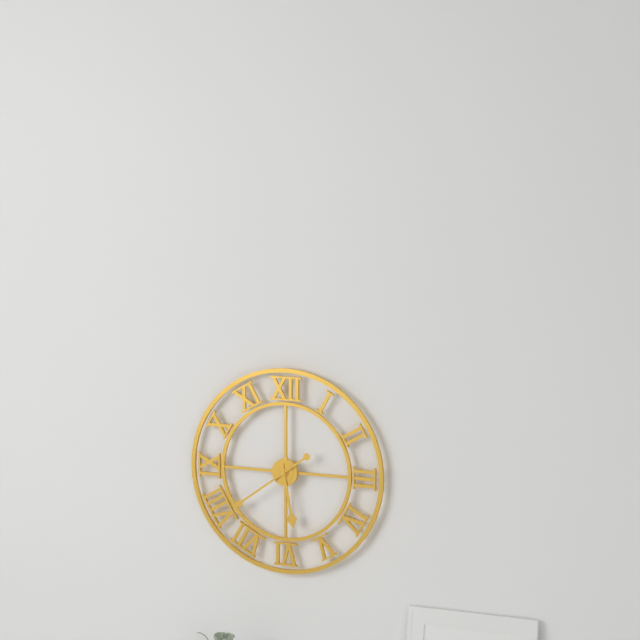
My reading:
5h39
